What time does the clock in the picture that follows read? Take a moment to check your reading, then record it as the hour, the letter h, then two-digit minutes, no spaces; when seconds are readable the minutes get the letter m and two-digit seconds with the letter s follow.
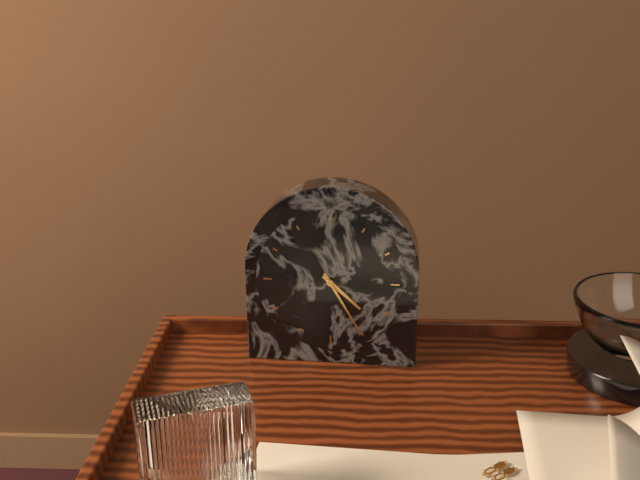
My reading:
4h25
